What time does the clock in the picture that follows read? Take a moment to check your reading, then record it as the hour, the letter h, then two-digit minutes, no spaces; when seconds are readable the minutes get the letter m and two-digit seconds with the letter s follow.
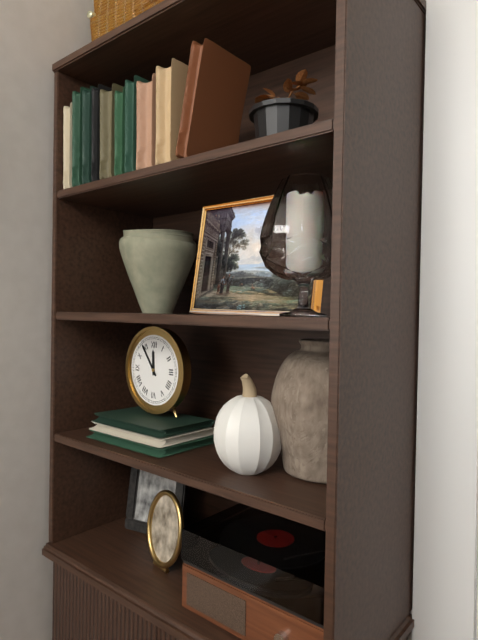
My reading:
11h54
